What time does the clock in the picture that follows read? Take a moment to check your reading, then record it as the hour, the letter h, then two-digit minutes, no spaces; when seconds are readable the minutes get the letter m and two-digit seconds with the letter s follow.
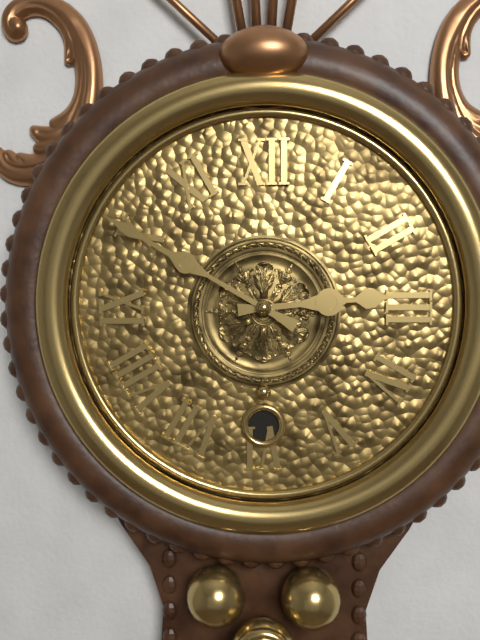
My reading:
2h50
